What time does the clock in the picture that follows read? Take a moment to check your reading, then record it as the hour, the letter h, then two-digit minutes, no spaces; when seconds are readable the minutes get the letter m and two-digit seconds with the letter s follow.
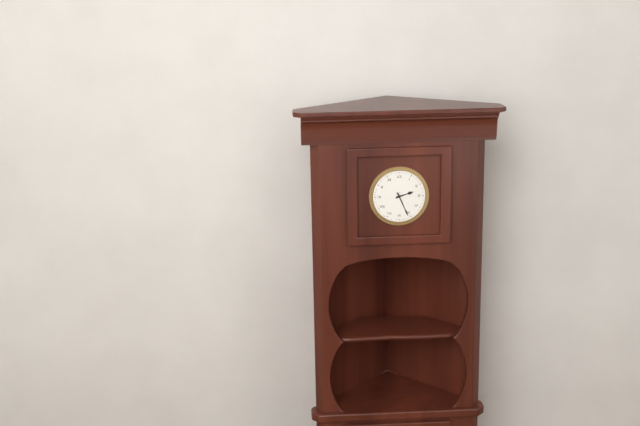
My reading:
2h26
